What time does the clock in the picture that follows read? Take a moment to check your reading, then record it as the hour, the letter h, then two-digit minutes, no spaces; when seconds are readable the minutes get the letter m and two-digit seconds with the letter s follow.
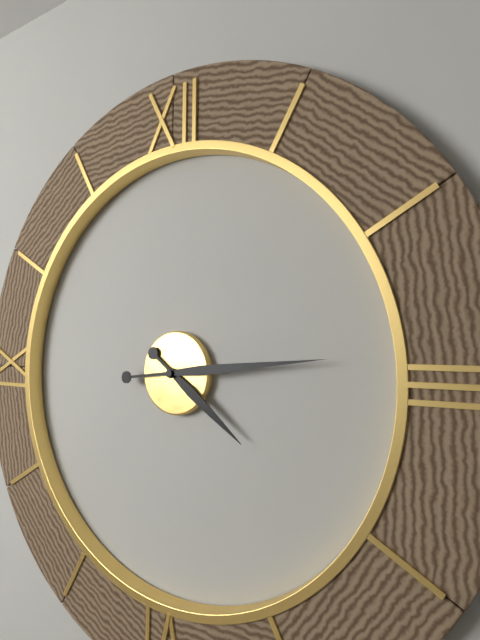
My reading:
4h14
